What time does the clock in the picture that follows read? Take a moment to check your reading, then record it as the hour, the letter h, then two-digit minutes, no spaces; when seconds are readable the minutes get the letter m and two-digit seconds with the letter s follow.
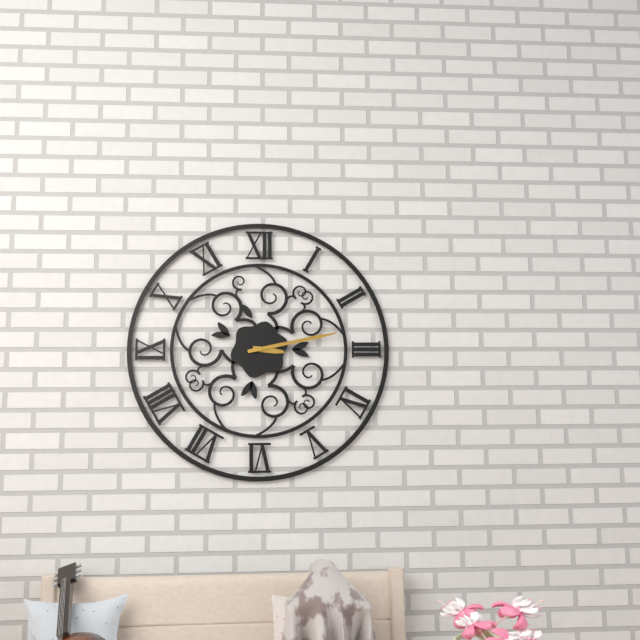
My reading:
3h13
